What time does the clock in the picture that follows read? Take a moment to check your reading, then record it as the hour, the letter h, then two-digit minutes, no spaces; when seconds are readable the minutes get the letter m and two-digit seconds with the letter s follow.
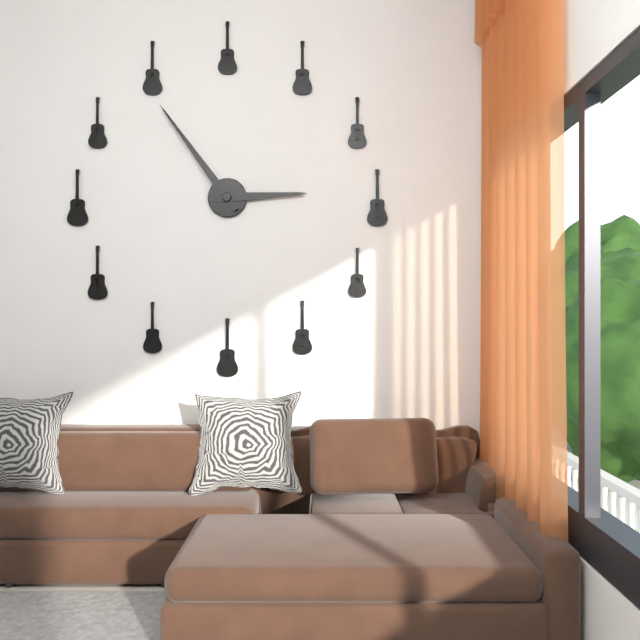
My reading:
2h54
